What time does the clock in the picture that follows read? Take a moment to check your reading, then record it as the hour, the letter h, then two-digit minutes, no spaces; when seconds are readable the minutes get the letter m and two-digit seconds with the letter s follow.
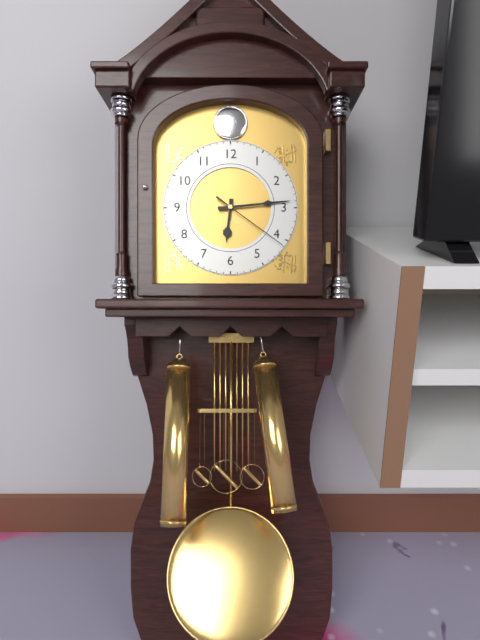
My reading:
6h14m21s
